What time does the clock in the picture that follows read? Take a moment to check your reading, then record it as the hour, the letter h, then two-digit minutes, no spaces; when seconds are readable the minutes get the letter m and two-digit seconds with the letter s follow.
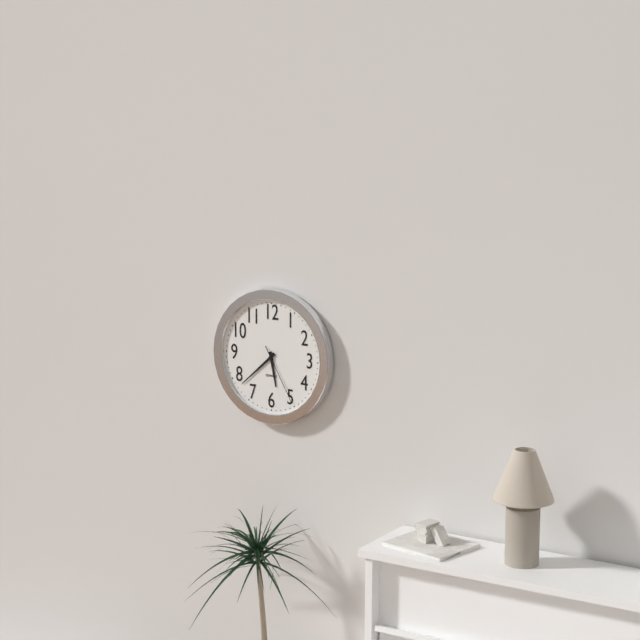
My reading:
5h38m25s
